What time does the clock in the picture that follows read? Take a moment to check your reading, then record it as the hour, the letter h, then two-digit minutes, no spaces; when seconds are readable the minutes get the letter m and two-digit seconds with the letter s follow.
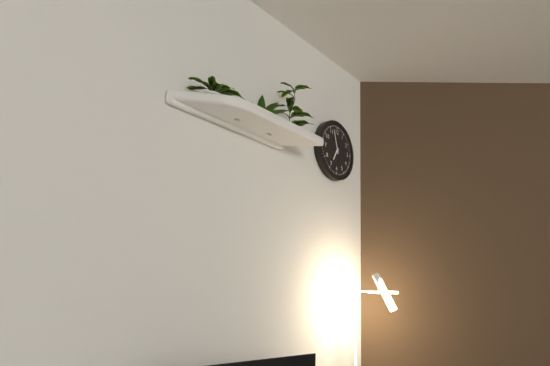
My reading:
6h57
